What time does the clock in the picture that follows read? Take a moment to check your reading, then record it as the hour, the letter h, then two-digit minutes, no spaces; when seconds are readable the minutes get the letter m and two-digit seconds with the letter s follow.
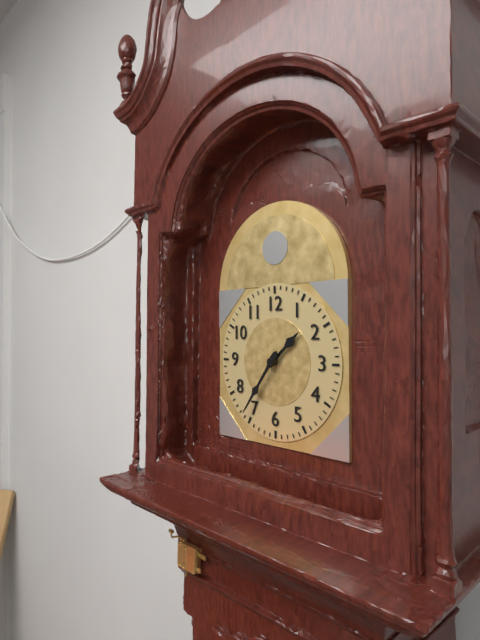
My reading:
1h36
